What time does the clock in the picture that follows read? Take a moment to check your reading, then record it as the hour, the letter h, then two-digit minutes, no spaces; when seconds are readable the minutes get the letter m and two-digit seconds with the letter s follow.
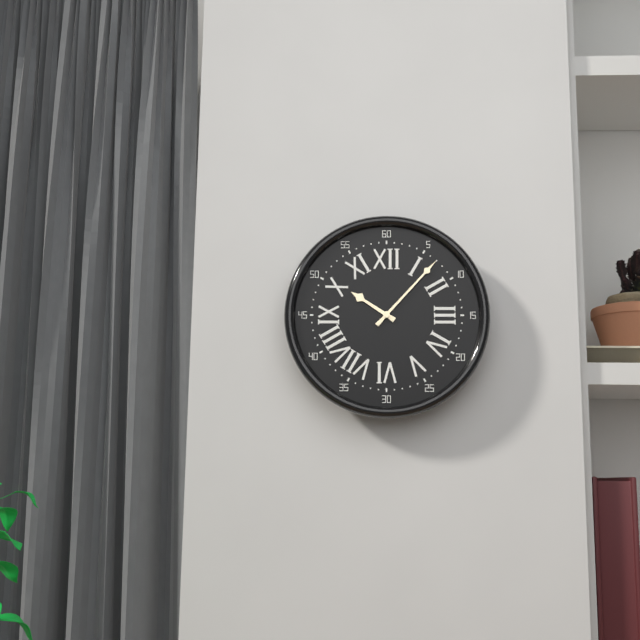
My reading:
10h07
